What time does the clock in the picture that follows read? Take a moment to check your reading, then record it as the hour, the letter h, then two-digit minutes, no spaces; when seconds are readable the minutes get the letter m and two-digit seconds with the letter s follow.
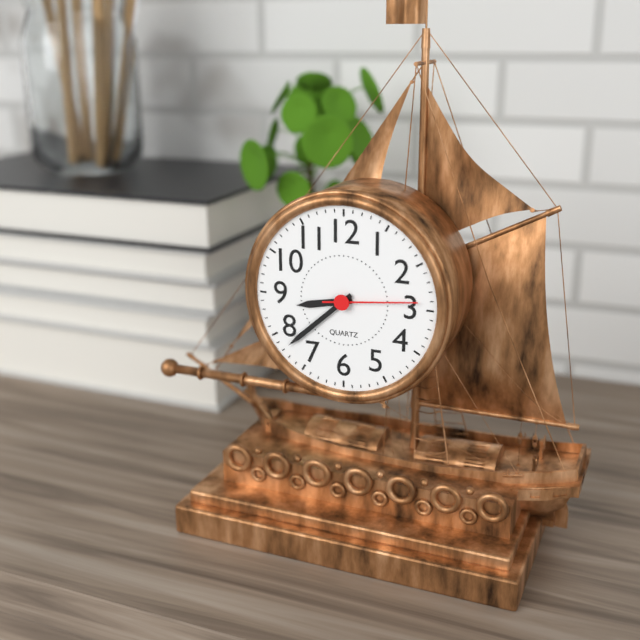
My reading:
8h38m14s
